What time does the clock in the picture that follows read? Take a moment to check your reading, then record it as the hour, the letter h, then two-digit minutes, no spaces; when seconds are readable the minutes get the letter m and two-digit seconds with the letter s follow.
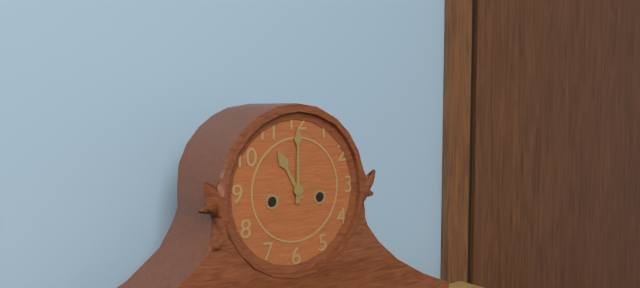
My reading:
11h00
